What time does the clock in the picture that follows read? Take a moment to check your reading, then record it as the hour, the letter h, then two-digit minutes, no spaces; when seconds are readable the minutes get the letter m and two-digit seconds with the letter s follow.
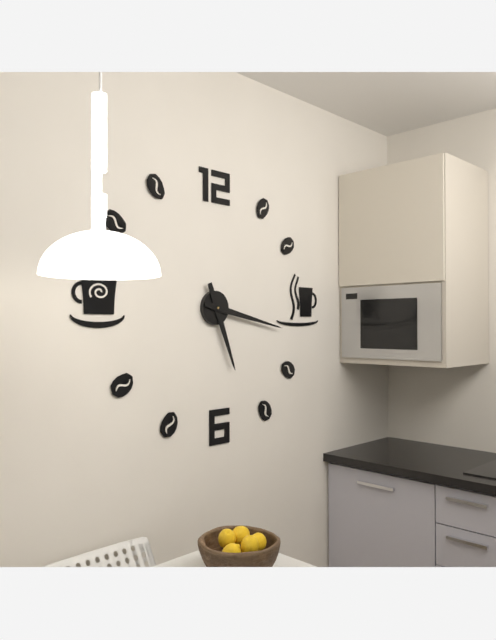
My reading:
5h17
